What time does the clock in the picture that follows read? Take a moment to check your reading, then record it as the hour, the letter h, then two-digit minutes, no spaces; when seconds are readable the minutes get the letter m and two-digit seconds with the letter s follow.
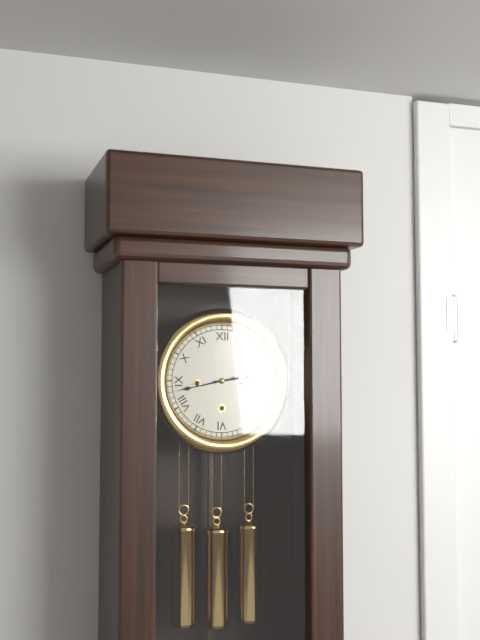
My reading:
2h43
